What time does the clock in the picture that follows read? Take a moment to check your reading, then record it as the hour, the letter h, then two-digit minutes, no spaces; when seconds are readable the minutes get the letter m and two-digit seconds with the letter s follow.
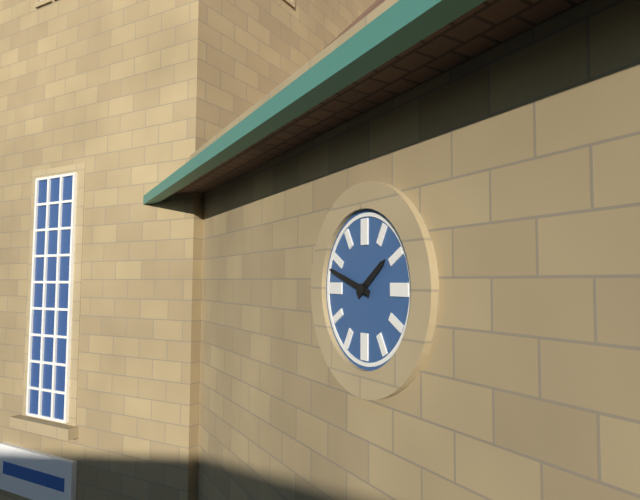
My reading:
1h48
